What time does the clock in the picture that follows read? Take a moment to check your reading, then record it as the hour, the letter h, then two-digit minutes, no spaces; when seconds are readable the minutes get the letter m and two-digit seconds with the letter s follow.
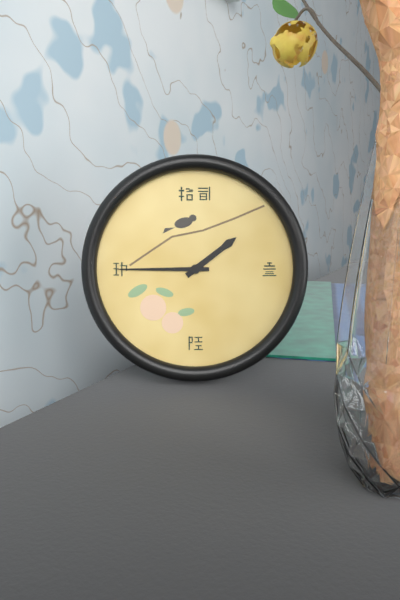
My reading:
1h45
